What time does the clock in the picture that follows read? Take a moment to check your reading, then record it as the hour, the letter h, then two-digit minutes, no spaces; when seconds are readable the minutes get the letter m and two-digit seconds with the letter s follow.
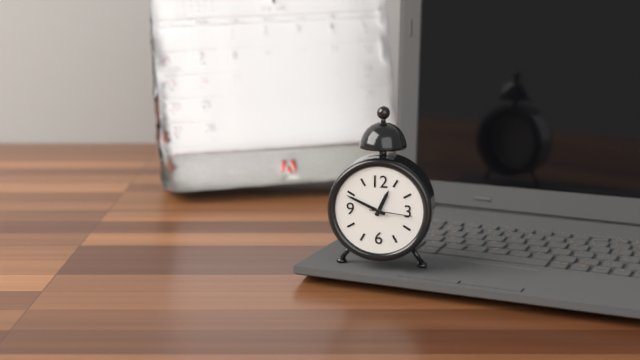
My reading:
12h49
